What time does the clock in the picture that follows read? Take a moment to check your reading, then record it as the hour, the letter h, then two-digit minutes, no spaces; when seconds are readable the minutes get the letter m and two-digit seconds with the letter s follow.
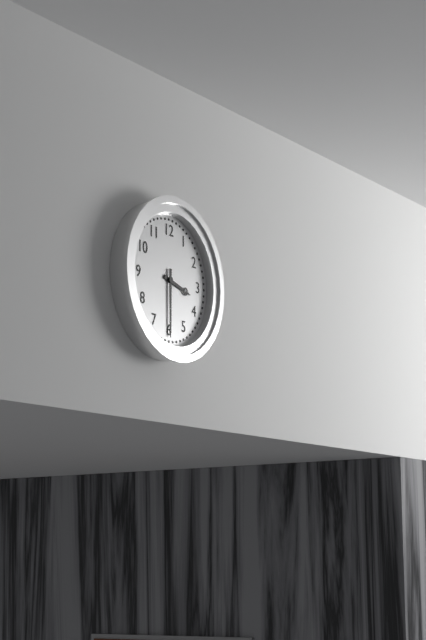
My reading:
3h30
